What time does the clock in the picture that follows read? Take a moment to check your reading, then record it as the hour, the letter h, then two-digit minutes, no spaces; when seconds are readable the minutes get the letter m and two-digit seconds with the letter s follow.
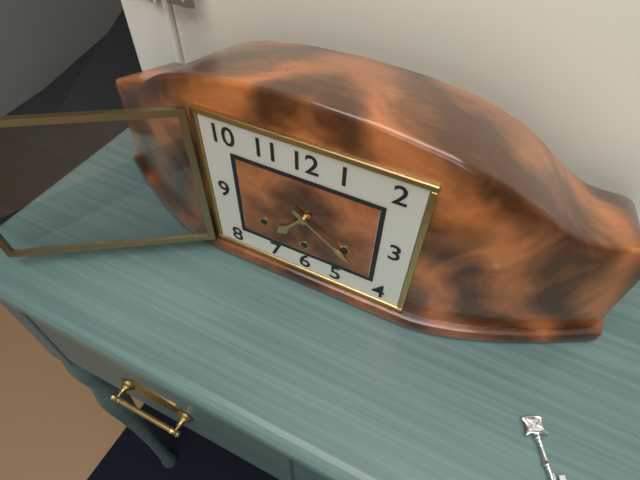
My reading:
7h21
